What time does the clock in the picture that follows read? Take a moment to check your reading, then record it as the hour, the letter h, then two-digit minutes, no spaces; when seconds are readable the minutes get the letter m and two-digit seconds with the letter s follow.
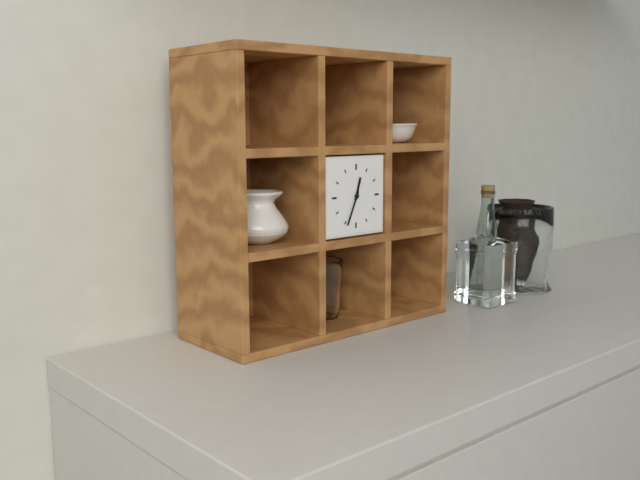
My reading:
12h34
